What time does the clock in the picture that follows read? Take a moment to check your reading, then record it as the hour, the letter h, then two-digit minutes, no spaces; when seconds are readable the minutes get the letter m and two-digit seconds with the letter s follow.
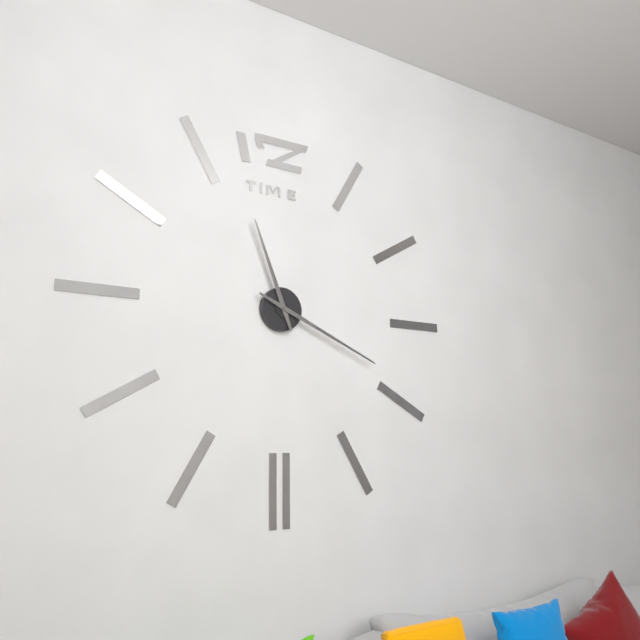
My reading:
11h19
